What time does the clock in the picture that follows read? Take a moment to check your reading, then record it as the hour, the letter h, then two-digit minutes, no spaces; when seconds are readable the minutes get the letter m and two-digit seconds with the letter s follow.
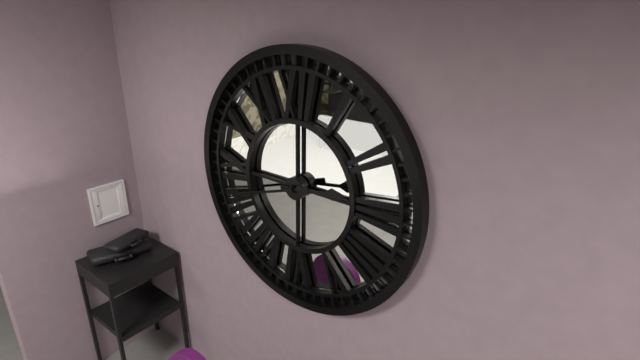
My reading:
2h42
